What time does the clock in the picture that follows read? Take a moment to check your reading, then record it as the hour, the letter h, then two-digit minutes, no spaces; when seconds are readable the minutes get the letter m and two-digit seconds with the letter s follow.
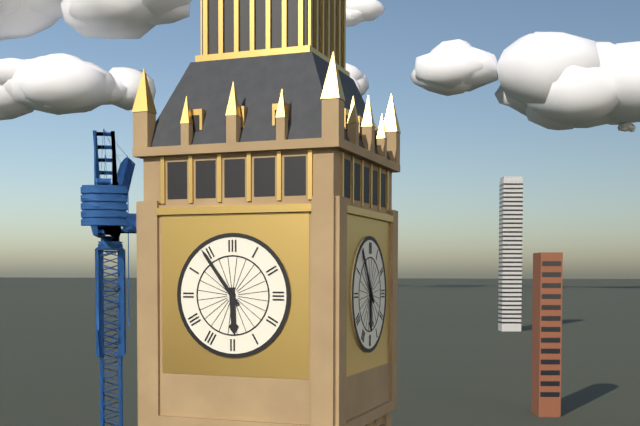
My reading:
5h54
